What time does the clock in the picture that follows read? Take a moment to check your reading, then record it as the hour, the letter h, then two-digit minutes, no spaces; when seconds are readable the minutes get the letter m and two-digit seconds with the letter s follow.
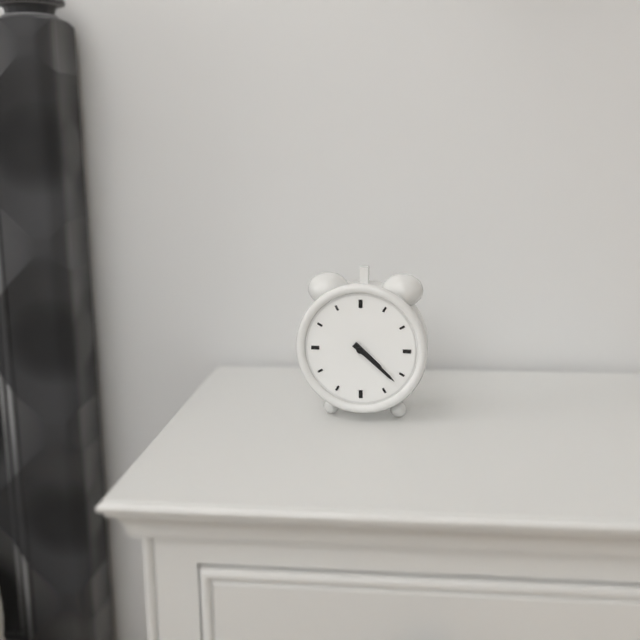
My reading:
4h22
